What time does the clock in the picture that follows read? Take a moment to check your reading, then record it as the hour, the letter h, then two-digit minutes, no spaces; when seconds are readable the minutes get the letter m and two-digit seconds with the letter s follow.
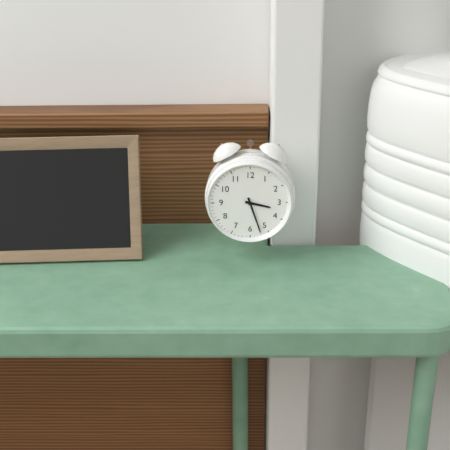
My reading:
3h27
